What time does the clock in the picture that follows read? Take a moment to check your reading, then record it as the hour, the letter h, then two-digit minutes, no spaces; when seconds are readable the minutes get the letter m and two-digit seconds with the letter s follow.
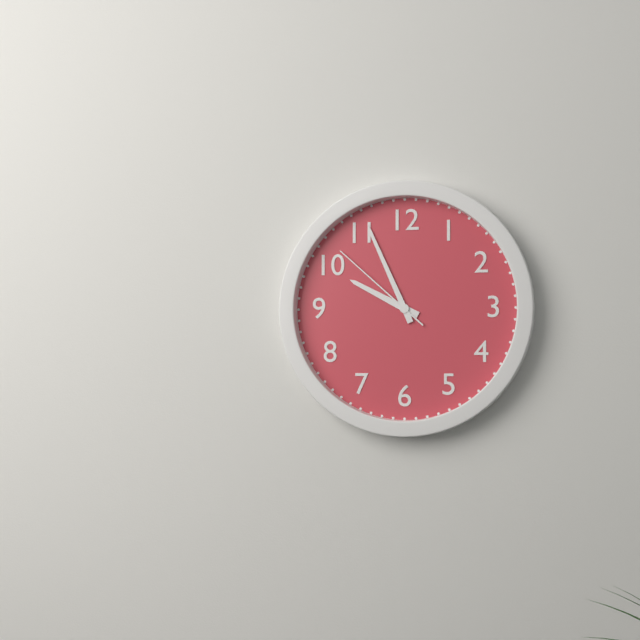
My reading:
9h56m52s
